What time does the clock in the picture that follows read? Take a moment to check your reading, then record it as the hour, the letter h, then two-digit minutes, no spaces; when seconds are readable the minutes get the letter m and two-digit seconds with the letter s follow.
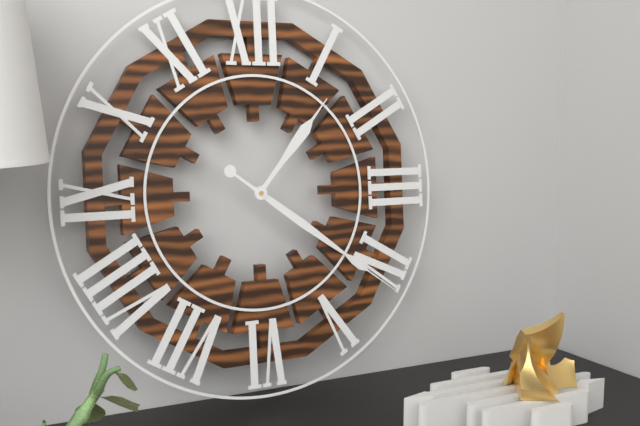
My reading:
1h21
